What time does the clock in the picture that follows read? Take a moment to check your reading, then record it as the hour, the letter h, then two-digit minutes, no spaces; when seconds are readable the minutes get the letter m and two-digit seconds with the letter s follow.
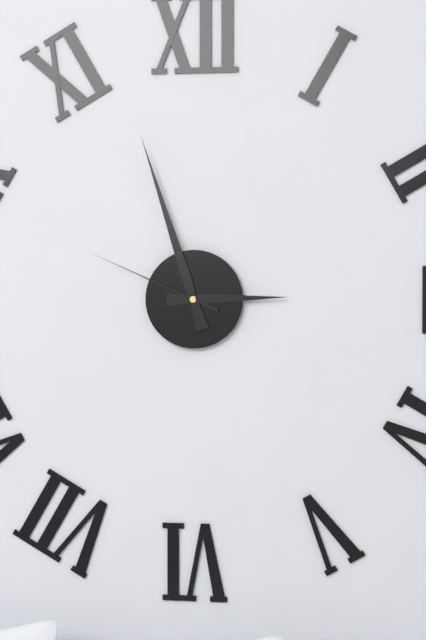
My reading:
2h57m49s
